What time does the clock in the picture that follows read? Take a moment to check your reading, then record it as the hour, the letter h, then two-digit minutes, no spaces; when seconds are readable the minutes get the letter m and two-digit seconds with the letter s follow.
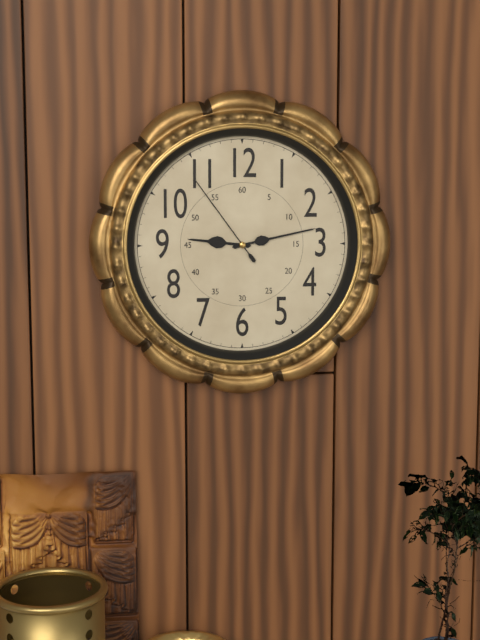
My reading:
9h13m54s
